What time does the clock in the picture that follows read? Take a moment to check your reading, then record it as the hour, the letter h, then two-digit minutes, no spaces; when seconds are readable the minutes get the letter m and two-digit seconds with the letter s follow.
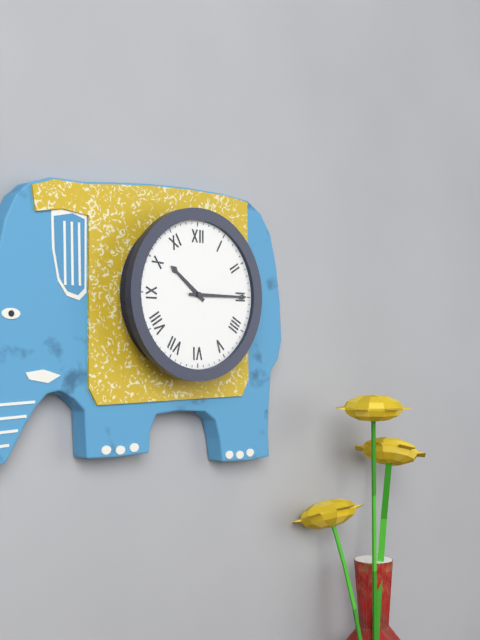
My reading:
10h15
